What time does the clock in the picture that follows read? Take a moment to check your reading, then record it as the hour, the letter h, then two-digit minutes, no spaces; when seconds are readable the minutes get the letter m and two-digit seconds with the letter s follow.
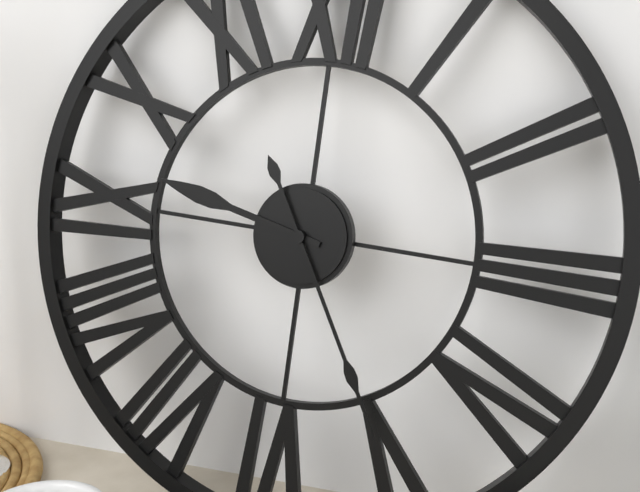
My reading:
9h25
